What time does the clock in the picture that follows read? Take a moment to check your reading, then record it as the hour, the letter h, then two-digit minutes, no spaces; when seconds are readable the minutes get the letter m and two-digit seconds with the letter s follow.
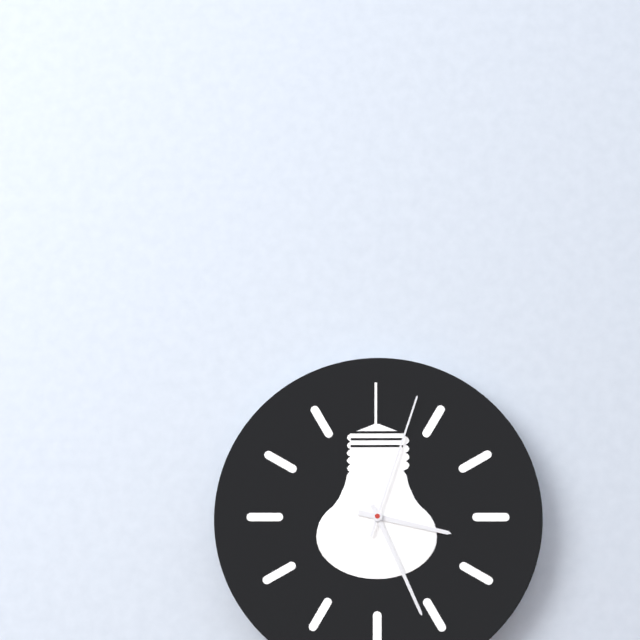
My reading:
3h26m03s
